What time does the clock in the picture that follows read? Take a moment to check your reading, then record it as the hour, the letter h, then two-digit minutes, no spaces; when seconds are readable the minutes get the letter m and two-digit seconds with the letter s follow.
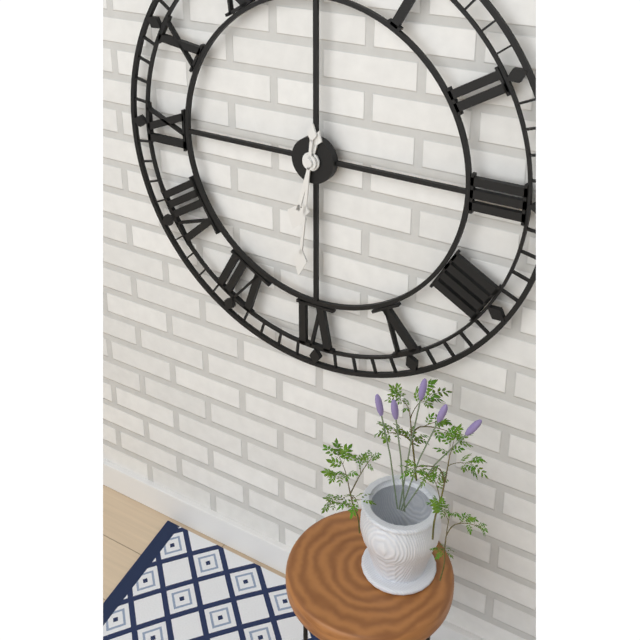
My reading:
6h31
